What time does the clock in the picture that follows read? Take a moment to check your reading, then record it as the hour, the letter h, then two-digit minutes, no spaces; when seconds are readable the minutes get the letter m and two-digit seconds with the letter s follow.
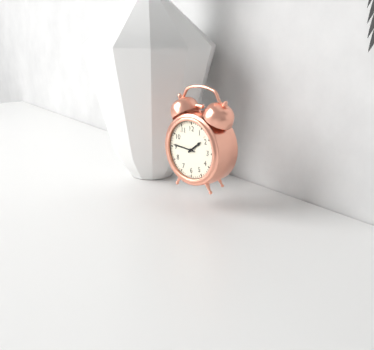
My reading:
1h46
